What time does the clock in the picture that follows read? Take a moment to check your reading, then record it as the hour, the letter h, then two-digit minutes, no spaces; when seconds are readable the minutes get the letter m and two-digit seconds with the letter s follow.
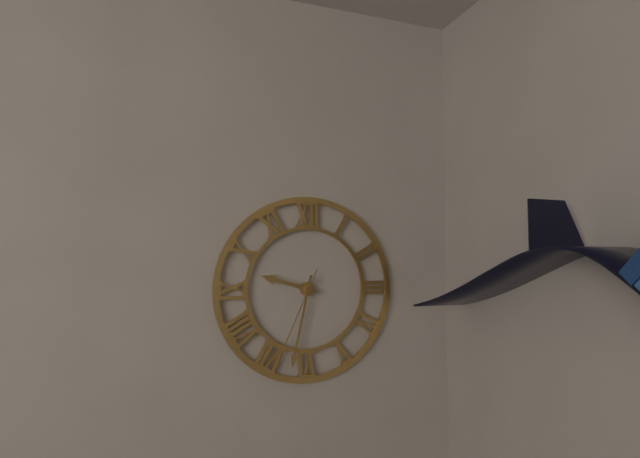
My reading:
9h32m34s
